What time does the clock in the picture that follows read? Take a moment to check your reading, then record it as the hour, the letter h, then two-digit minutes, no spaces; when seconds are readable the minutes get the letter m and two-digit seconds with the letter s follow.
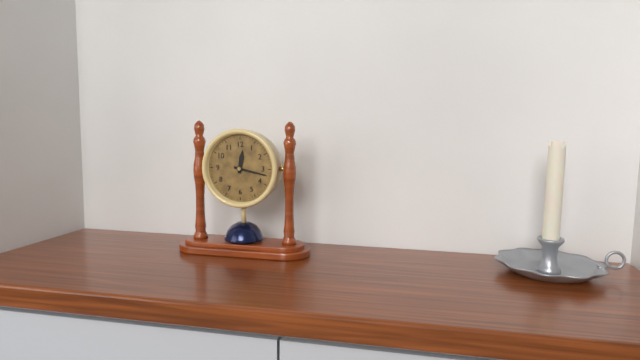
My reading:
12h17
